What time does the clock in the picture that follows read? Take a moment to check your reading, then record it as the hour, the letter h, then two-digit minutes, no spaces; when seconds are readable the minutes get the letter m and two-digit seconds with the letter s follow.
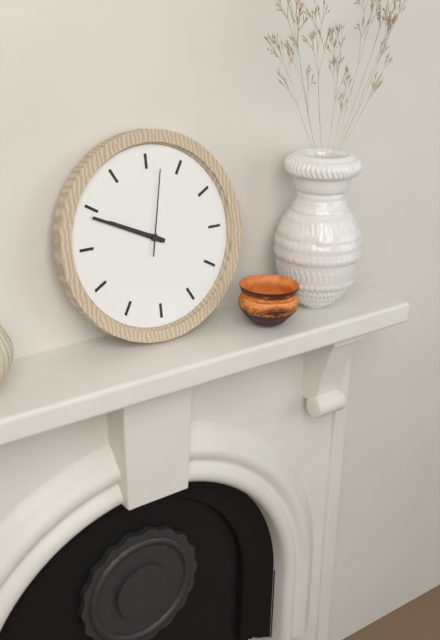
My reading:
9h49m02s
